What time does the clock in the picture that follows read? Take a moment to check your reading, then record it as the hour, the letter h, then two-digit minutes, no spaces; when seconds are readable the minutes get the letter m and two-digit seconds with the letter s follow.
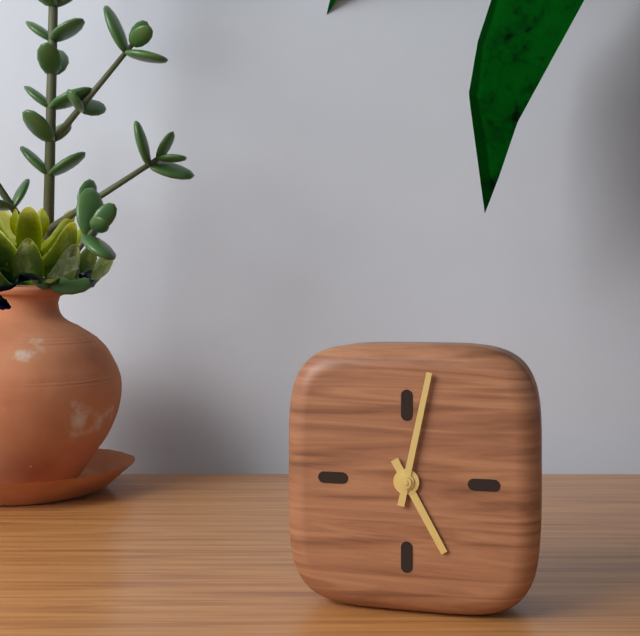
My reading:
5h02
